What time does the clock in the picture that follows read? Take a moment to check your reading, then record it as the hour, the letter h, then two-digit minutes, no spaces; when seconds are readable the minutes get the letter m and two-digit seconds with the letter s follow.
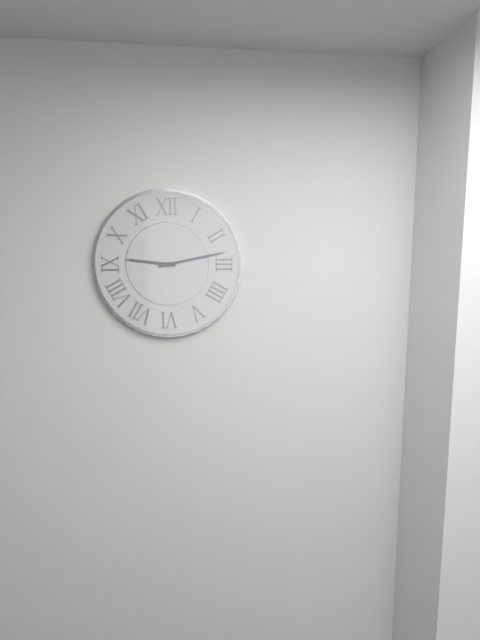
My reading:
9h13
